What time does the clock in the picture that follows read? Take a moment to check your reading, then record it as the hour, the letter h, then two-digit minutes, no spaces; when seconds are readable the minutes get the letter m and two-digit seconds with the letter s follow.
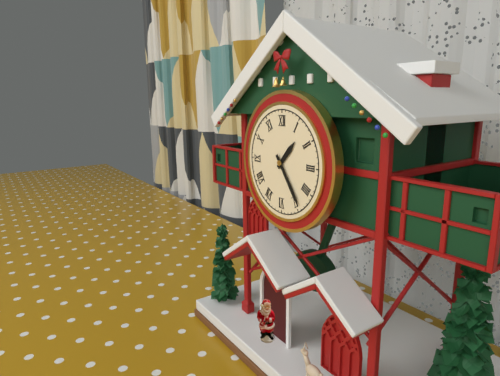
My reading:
1h24
